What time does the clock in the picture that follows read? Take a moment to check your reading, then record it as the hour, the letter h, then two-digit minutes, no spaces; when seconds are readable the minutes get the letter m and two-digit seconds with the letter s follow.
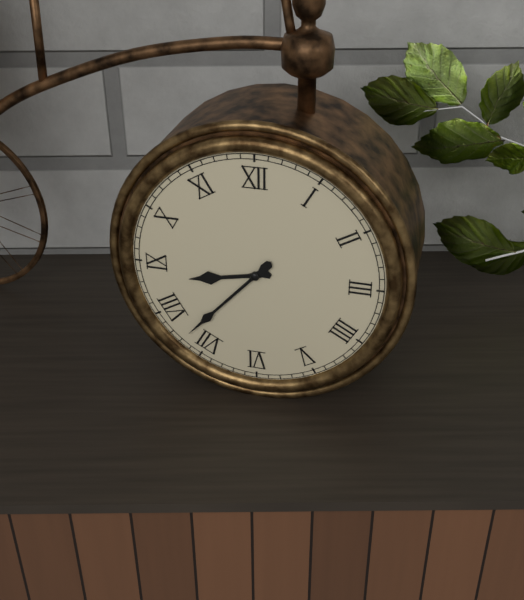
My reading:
8h37
